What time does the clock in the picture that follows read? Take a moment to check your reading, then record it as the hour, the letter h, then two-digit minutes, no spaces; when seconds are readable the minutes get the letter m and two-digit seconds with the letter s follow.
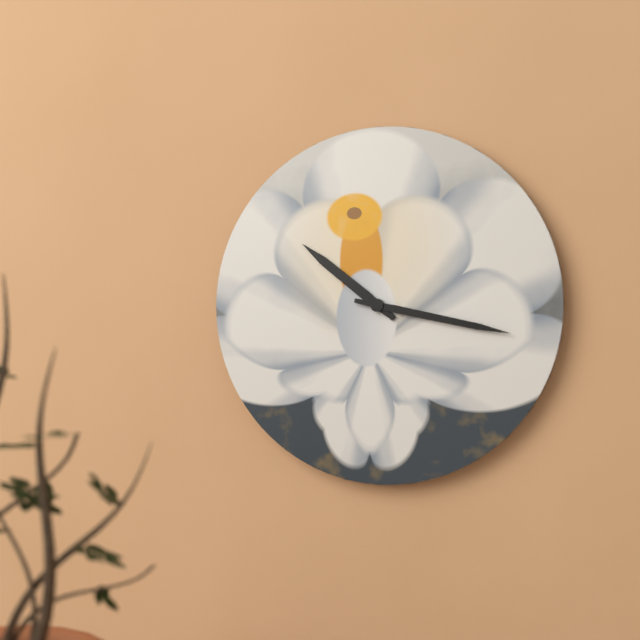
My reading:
10h17
